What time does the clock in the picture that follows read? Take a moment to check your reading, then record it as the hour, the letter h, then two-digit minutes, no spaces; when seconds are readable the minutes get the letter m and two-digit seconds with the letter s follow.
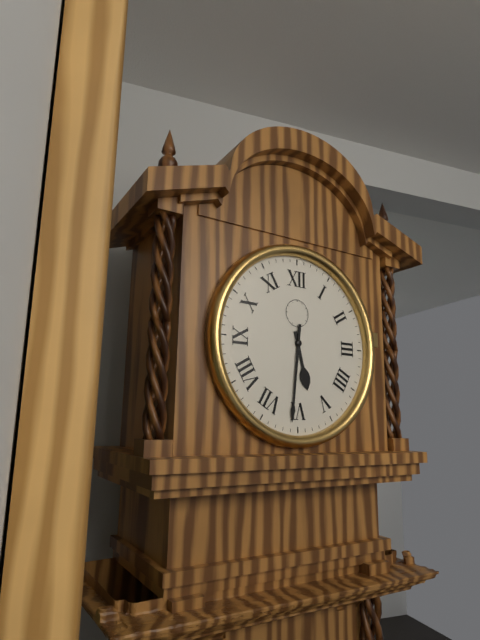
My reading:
5h31
